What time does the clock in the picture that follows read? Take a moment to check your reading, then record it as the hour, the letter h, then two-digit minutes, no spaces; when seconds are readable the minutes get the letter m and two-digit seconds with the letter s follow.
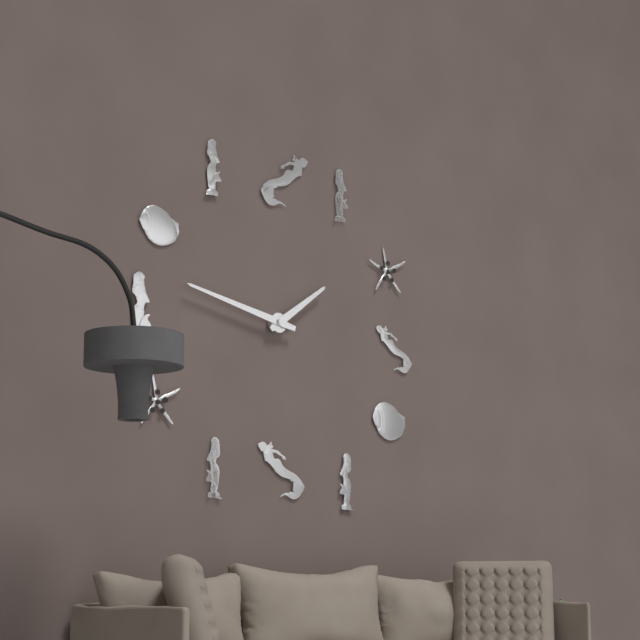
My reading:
1h47
